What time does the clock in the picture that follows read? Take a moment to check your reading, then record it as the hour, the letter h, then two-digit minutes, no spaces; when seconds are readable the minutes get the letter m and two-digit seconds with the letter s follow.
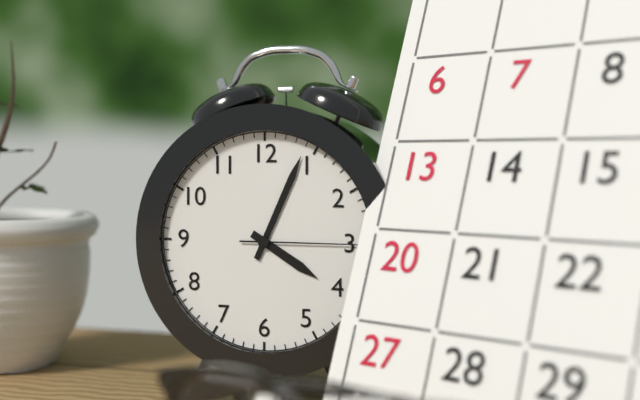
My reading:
4h04m15s
